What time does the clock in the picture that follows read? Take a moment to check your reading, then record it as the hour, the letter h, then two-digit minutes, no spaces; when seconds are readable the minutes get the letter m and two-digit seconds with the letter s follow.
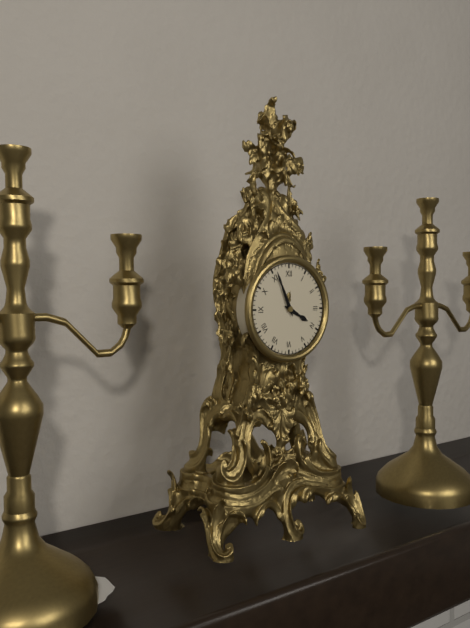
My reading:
3h56
